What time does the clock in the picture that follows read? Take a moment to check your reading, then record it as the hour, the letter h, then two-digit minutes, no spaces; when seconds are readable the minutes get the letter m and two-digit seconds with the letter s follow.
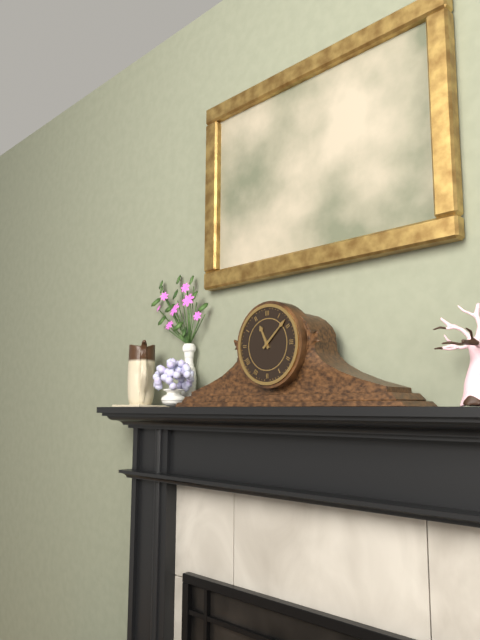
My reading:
11h08
